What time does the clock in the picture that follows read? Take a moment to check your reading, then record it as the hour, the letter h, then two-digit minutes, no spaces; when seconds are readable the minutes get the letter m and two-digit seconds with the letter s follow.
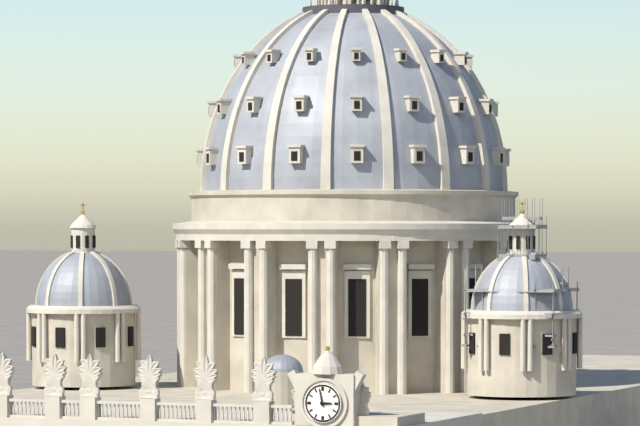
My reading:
2h58
